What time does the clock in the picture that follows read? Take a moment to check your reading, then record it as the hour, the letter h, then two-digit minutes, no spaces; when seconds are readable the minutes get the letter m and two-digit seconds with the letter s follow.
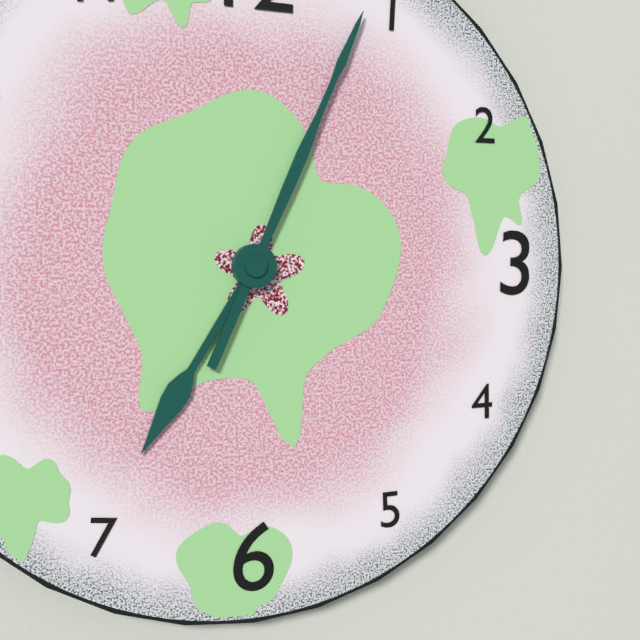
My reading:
7h04
